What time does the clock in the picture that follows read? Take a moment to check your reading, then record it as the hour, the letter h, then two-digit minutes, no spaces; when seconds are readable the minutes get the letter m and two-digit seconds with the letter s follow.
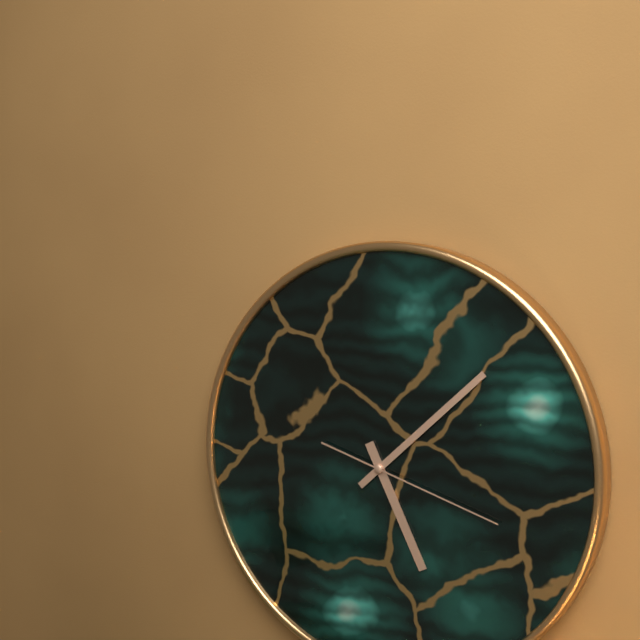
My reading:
5h08m18s
